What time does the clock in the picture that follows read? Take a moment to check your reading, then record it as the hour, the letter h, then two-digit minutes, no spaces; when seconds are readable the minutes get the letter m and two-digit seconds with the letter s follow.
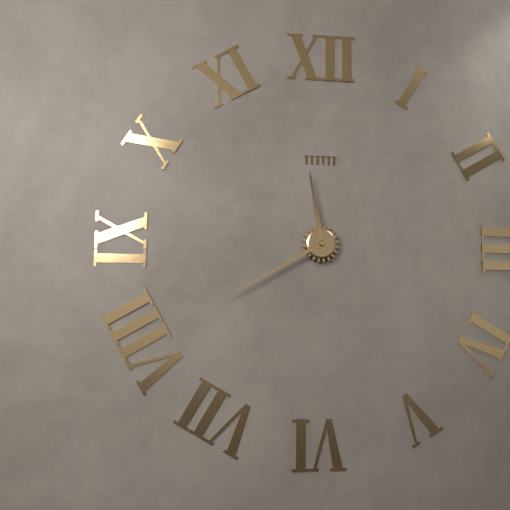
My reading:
11h40
